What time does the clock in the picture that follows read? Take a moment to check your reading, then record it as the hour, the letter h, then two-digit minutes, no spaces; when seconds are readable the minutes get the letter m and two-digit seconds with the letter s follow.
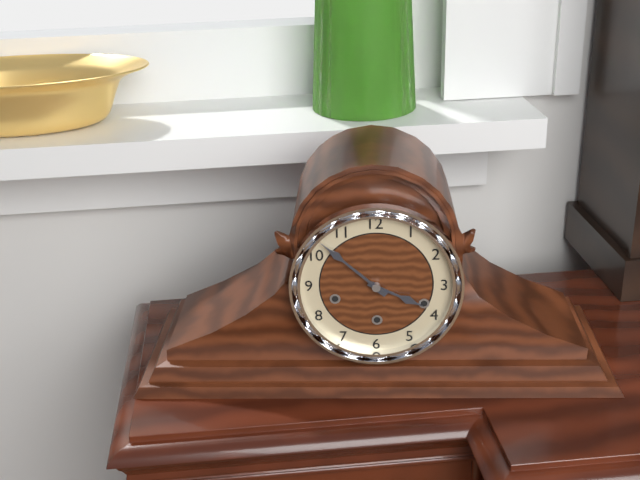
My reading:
3h52
